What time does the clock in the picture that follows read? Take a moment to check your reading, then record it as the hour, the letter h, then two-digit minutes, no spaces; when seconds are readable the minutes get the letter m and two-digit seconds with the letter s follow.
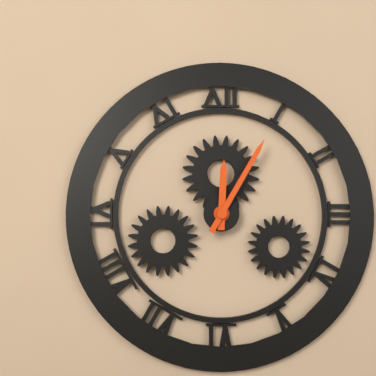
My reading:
12h05
